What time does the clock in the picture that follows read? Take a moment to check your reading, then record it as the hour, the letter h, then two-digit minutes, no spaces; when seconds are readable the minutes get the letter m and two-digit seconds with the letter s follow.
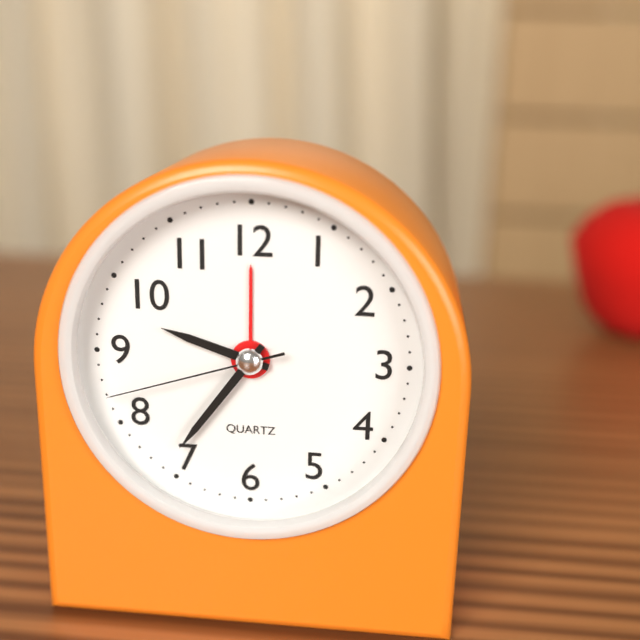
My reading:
9h36m42s
